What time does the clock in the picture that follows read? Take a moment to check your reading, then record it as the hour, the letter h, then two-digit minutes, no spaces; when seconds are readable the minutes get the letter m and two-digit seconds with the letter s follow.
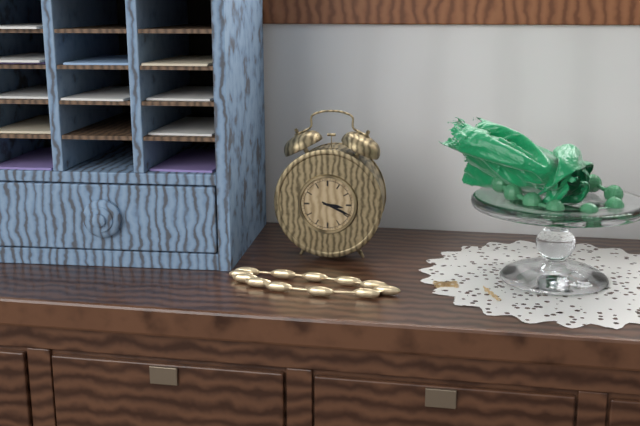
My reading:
3h19
